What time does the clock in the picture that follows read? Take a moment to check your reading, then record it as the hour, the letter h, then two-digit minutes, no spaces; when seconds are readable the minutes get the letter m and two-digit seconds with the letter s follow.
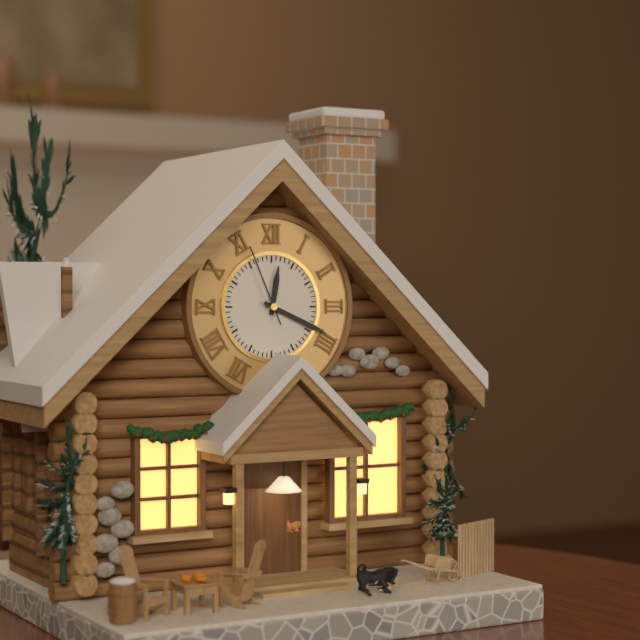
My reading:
12h19m56s
